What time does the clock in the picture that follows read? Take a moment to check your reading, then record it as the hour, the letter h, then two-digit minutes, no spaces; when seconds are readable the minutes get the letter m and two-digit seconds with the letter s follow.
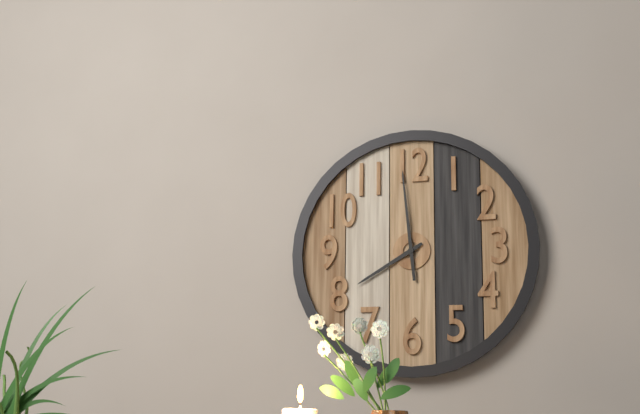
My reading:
7h59
